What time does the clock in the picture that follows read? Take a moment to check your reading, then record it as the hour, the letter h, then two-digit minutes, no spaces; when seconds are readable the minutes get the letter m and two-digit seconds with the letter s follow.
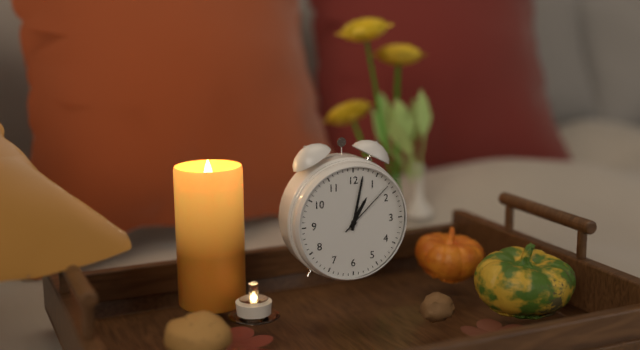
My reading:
1h02m08s
